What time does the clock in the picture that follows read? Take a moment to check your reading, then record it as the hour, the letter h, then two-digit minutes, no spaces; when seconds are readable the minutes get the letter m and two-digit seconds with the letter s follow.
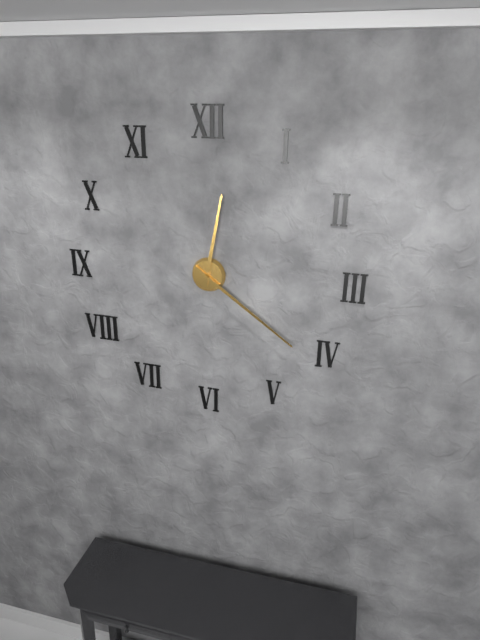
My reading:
12h21
